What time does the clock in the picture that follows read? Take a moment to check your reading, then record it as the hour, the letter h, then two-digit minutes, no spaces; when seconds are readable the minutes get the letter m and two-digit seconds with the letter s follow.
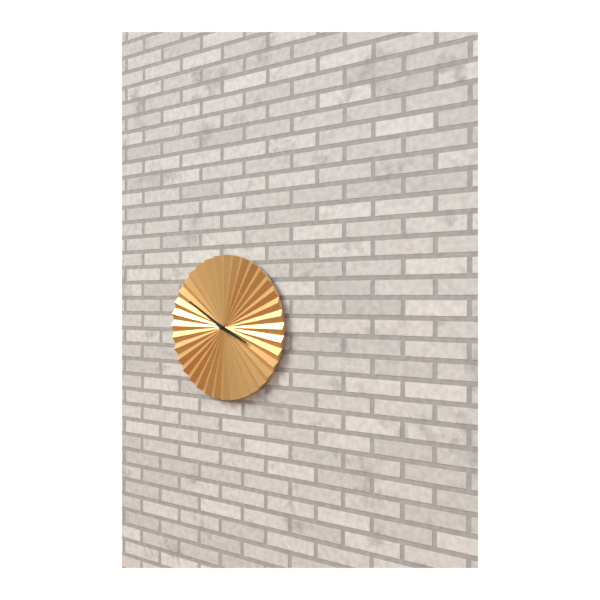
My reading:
3h50
